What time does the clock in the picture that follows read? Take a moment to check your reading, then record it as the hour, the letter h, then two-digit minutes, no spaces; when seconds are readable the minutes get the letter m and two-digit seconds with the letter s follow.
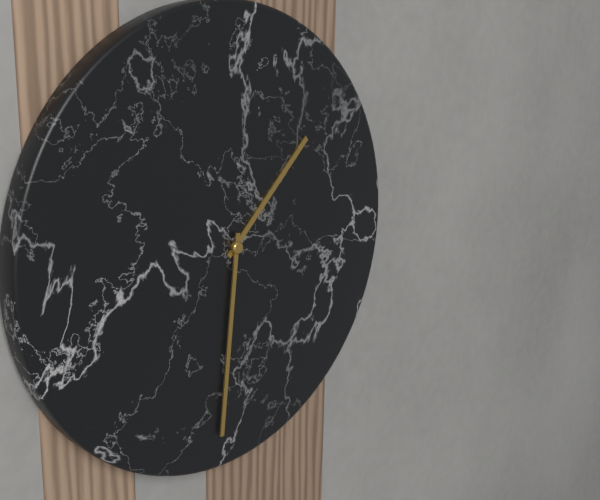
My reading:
1h31
